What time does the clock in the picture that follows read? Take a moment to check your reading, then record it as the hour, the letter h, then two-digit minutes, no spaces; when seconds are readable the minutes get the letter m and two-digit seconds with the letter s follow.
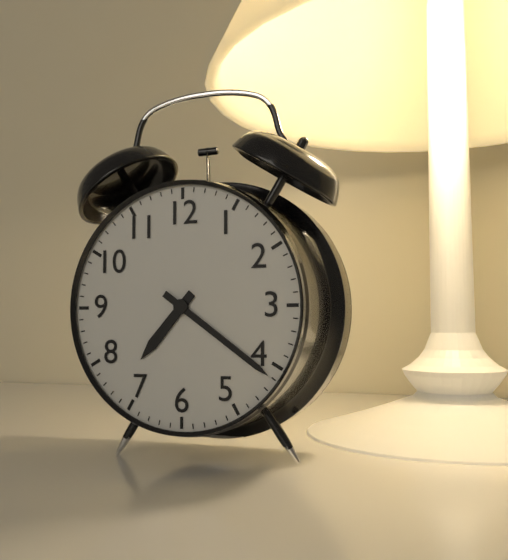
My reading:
7h21
